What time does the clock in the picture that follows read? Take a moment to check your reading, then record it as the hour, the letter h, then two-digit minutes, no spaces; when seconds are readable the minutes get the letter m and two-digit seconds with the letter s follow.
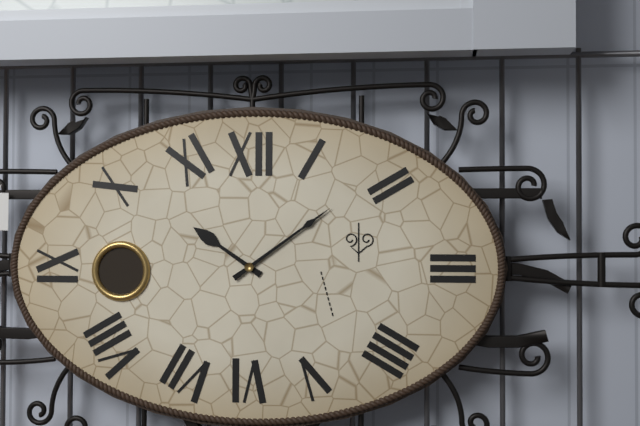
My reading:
10h09
